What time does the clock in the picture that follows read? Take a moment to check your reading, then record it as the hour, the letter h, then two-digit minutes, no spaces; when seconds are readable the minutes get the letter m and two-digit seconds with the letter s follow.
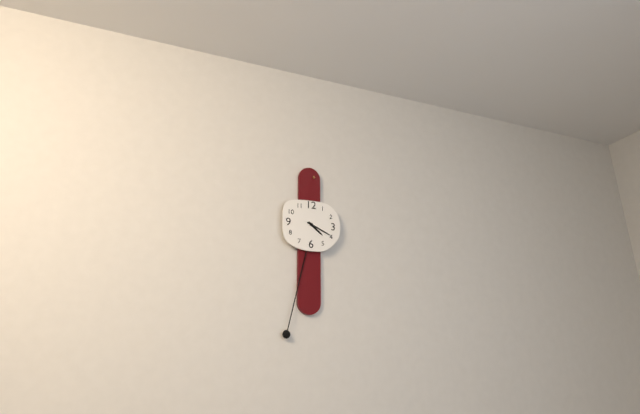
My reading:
4h19
